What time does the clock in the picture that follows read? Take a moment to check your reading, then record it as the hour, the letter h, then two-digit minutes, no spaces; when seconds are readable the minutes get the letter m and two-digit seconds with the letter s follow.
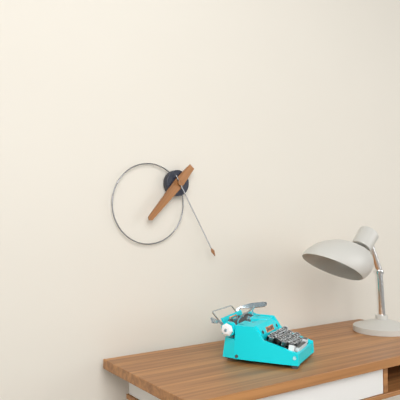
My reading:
7h25
